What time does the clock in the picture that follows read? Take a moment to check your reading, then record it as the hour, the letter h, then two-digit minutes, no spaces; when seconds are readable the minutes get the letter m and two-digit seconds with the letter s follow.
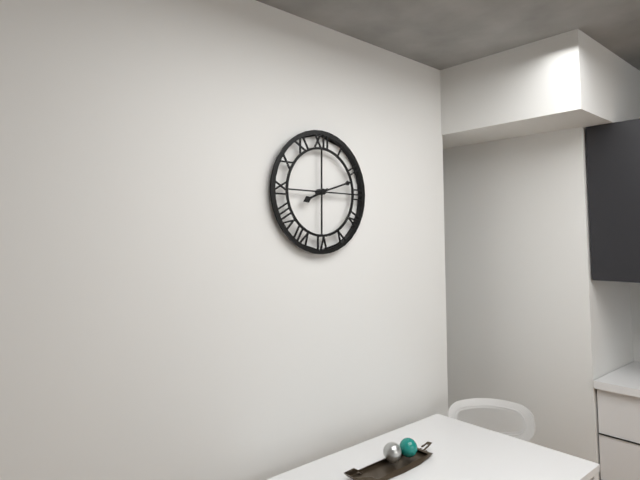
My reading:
8h12
